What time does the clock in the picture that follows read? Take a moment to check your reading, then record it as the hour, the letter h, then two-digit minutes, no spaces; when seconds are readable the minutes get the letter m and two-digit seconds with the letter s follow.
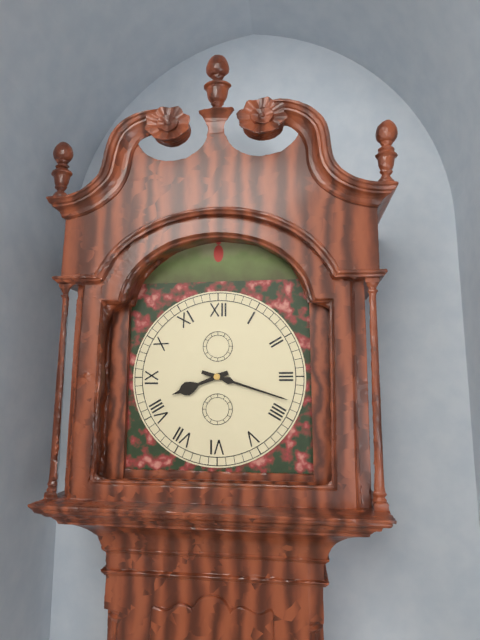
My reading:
8h18
